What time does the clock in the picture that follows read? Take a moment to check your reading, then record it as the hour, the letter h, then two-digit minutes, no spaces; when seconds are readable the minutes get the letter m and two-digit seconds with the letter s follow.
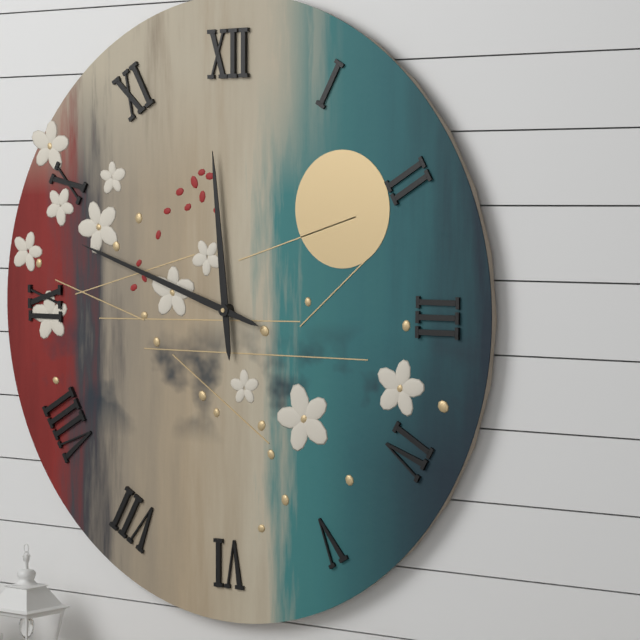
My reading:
11h48
